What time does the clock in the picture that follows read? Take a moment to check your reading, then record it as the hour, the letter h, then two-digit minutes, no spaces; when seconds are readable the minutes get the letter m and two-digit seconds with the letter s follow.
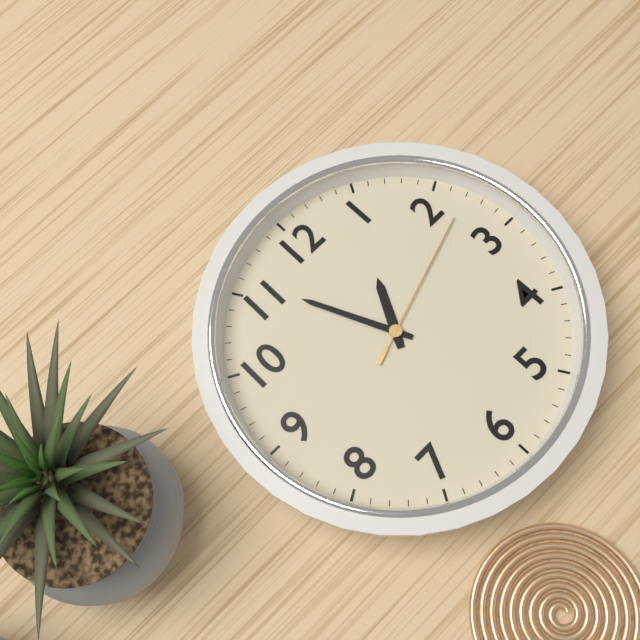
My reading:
12h56m12s
